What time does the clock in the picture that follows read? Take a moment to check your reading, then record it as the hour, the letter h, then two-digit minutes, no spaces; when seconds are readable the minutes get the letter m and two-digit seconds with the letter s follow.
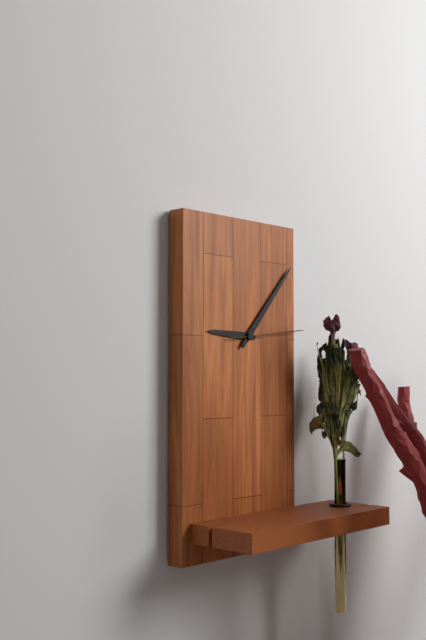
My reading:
9h07m14s
